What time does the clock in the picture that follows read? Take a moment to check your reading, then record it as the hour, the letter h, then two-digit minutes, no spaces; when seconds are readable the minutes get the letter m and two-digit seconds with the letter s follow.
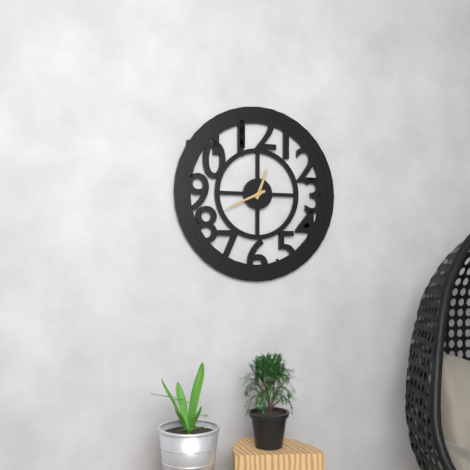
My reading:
12h41
